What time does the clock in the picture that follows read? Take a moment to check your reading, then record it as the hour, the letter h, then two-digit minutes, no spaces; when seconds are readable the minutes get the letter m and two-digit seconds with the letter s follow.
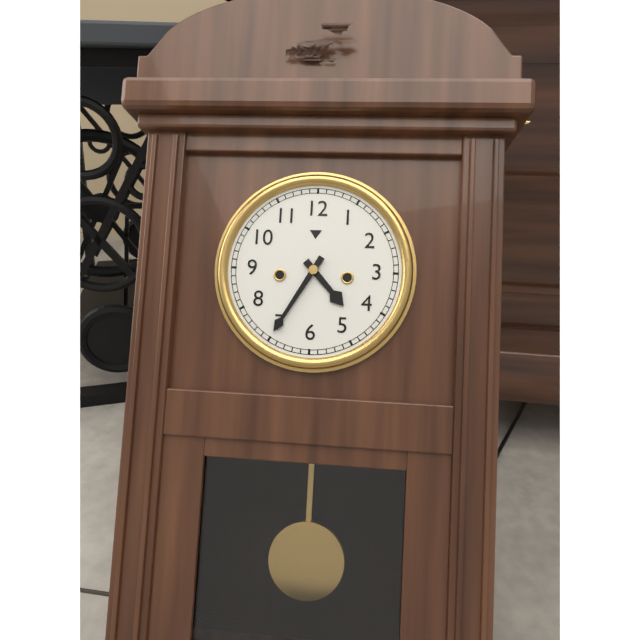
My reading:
4h35
